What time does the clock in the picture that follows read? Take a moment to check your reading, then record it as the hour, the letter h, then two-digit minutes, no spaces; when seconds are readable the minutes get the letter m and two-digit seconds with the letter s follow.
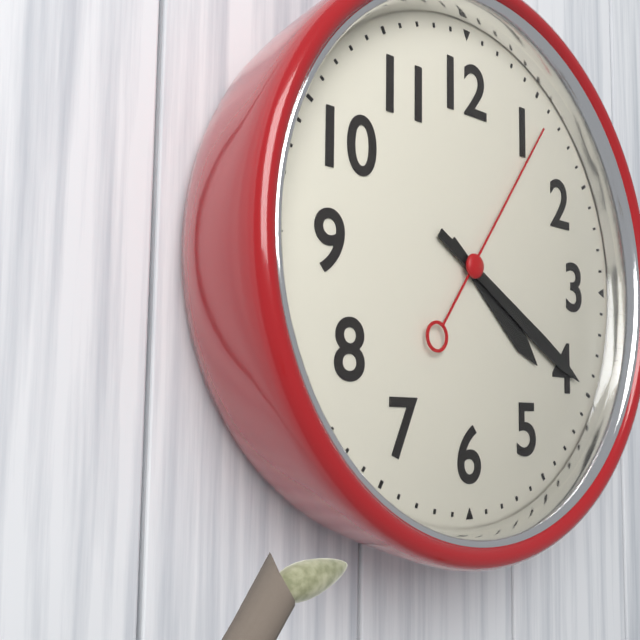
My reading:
4h20m06s
